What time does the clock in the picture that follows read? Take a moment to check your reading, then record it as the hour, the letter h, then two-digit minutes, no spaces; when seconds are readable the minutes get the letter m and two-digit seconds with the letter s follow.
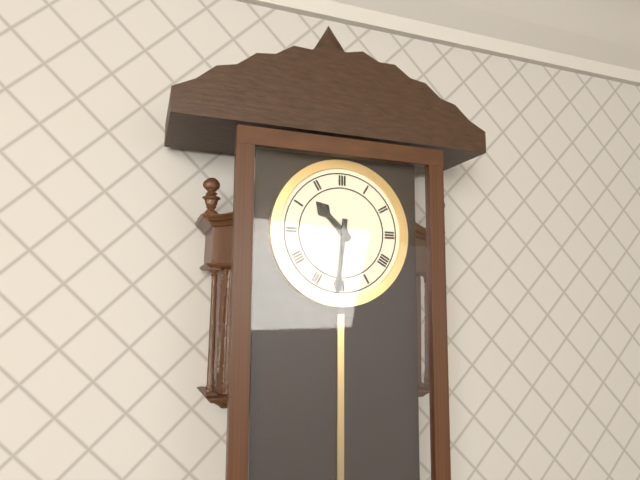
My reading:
10h31
